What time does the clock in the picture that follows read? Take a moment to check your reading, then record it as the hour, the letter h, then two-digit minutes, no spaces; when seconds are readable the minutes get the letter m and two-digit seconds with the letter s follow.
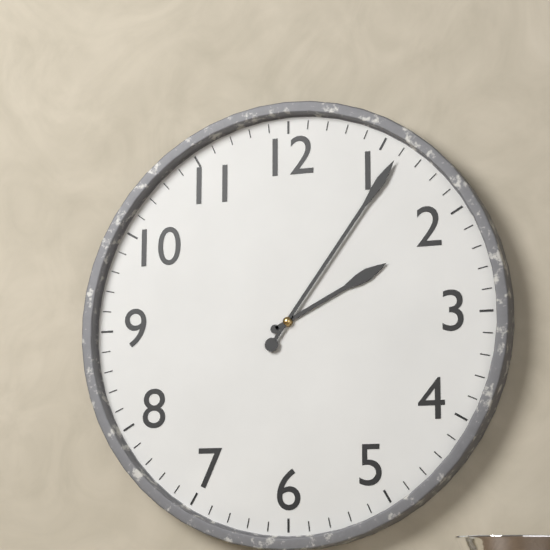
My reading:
2h06
